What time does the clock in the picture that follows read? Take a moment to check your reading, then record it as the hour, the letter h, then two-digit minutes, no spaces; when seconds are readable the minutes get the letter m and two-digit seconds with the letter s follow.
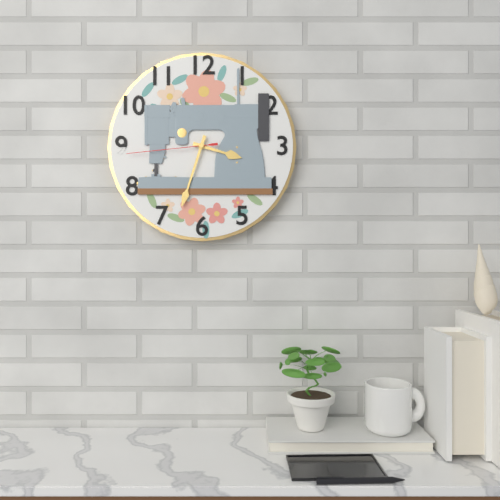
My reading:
3h33m44s
